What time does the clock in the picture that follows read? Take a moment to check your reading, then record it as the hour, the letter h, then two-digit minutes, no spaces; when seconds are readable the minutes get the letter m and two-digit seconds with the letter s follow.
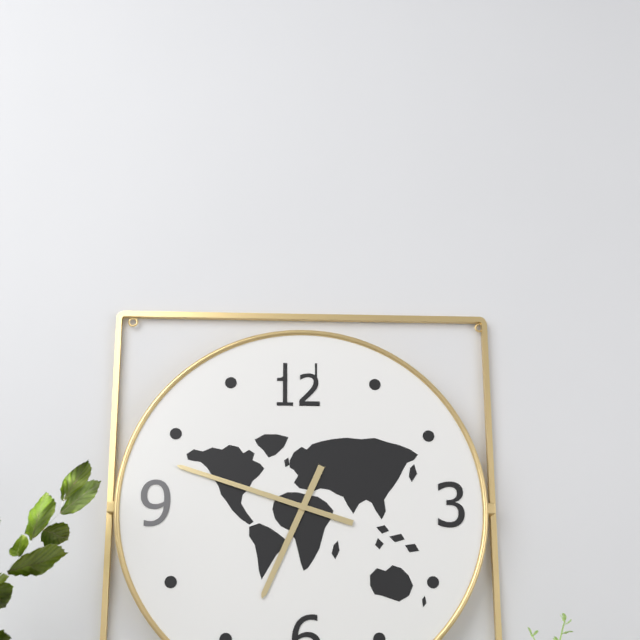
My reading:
6h48
